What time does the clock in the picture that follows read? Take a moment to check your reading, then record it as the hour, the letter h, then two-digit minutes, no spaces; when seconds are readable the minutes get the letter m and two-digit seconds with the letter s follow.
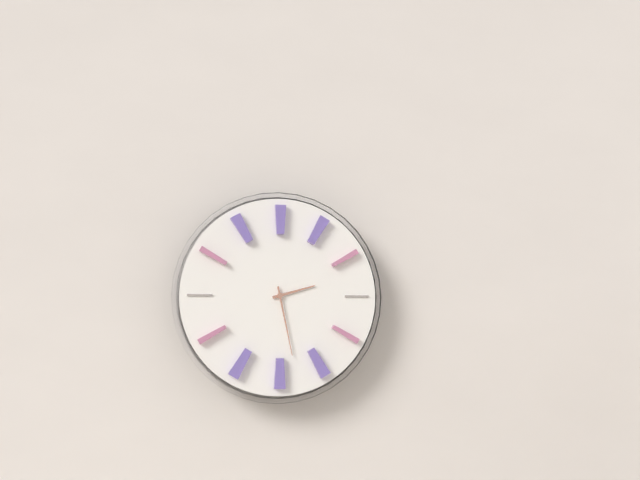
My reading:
2h28
